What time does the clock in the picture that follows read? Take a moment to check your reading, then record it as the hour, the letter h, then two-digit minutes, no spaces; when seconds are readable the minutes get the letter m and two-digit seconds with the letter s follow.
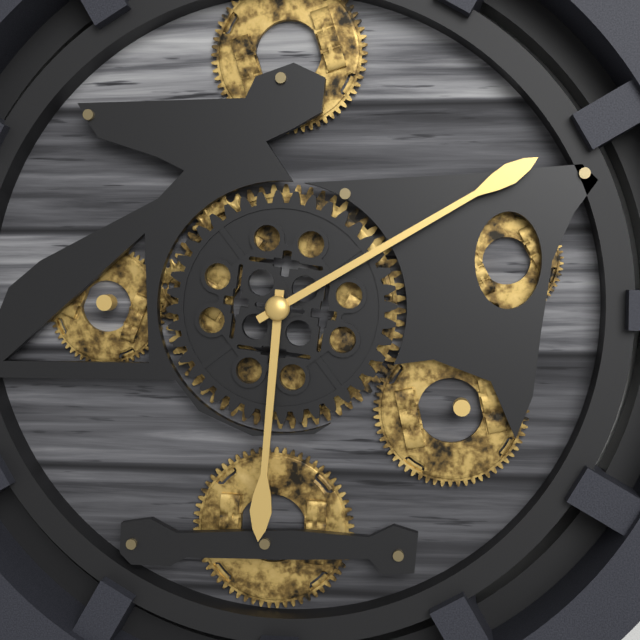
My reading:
6h10
